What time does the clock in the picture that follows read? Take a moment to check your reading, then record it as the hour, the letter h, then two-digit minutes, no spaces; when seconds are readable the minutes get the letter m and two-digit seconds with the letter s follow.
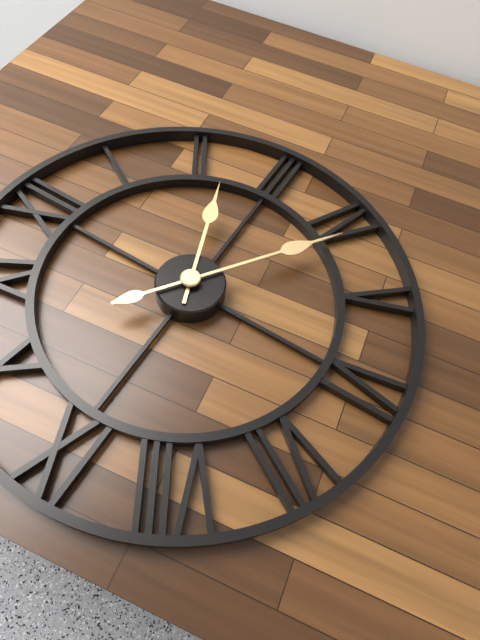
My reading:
2h21
